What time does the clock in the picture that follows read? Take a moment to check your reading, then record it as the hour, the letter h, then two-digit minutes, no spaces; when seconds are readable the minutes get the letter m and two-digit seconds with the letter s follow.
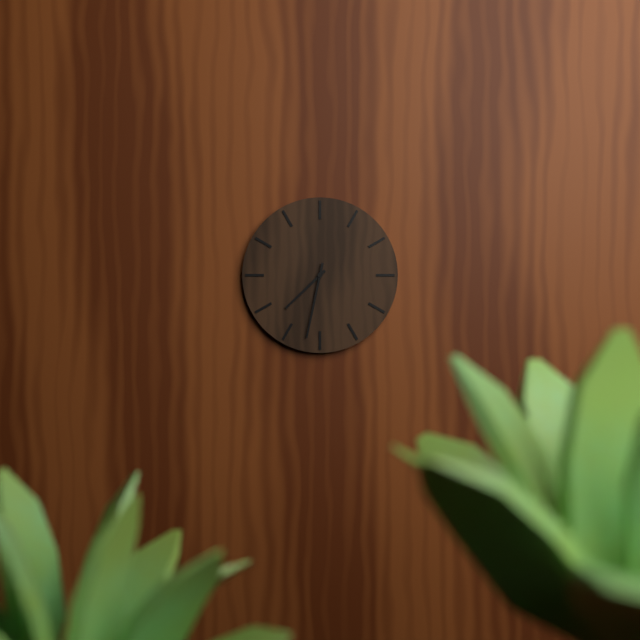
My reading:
7h32
